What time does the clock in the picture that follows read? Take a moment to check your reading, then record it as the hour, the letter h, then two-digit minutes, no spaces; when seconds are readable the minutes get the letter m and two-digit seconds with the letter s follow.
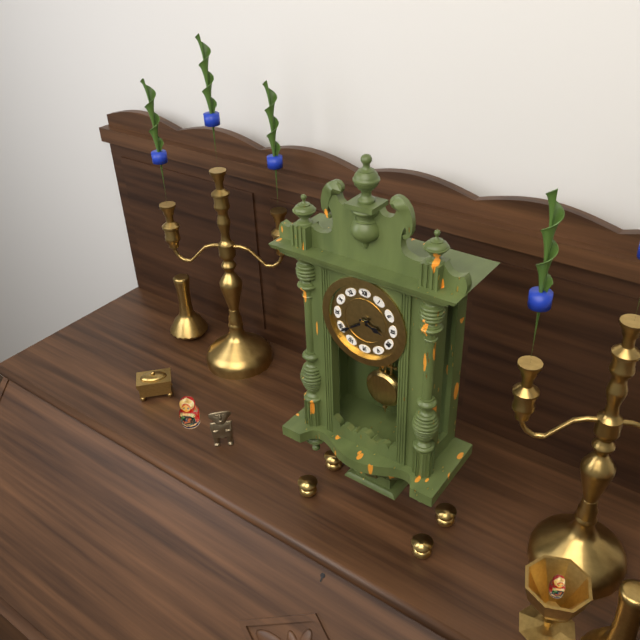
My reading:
3h39
